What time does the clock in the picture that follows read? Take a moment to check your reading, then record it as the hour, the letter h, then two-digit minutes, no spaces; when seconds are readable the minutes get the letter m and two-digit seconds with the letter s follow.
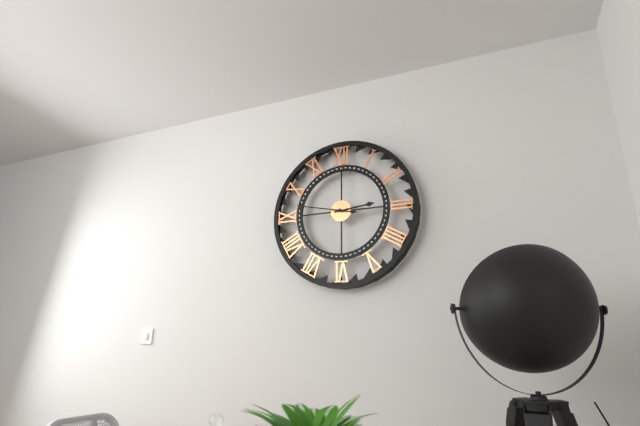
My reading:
2h47
